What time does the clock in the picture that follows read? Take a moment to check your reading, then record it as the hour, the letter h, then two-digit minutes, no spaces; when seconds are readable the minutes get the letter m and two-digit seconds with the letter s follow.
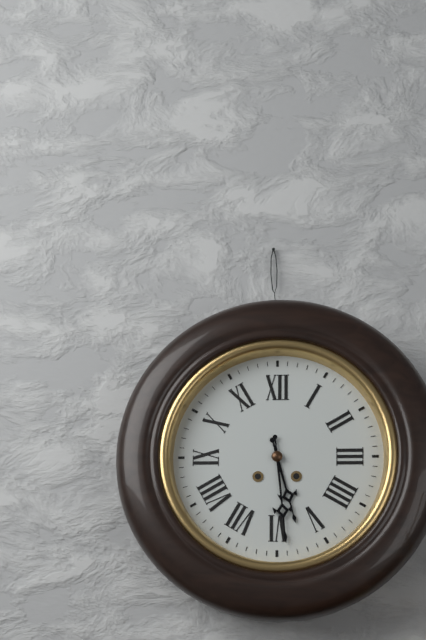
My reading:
5h29
